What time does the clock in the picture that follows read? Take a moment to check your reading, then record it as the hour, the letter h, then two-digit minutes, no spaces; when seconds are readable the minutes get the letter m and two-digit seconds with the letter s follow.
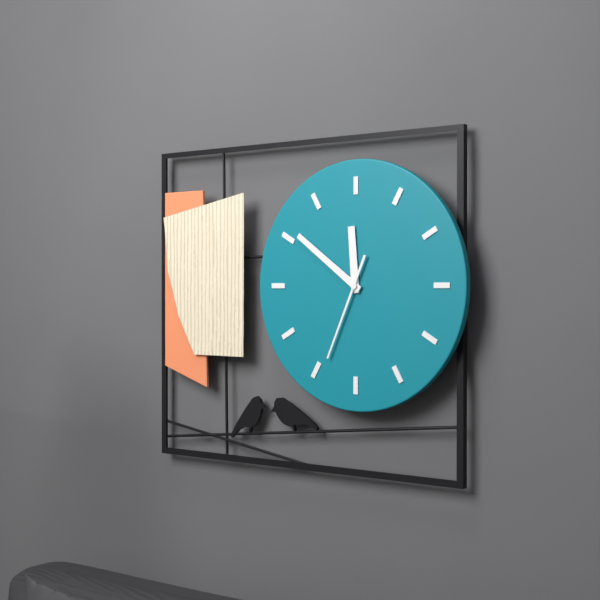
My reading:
11h51m34s
